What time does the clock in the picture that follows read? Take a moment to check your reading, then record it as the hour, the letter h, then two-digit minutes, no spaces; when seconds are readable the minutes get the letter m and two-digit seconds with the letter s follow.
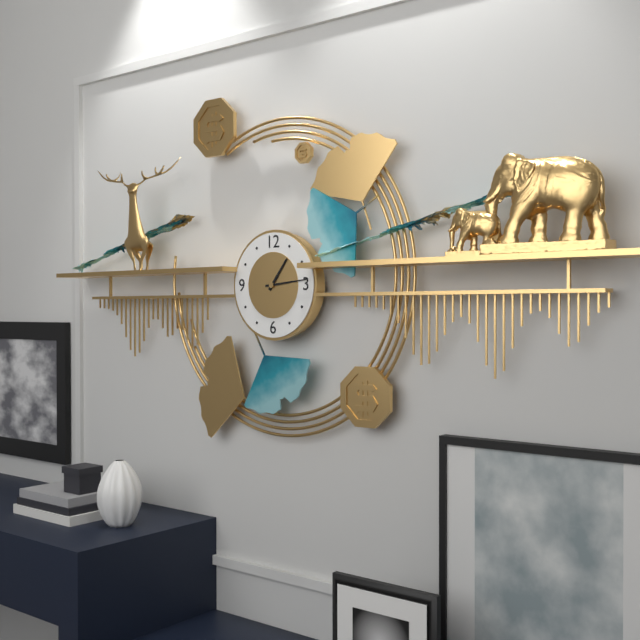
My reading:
1h14
